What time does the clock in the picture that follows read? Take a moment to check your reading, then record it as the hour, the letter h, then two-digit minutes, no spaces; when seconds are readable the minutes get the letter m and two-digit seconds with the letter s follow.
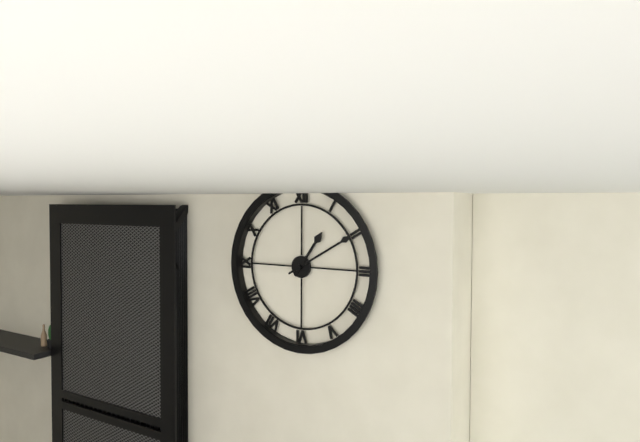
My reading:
1h10
